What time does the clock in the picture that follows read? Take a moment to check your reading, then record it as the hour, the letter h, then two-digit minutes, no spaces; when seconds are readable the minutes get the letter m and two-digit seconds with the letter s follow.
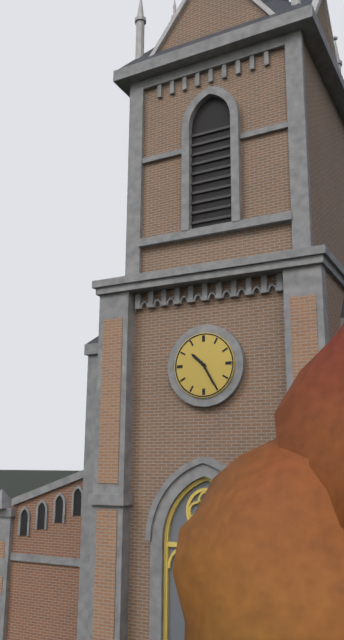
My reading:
10h25
